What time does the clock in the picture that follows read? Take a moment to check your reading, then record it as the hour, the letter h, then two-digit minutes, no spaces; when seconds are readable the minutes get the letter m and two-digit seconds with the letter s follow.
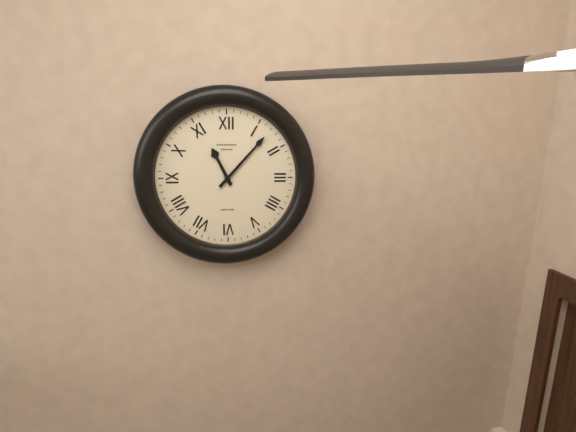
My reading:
11h07
